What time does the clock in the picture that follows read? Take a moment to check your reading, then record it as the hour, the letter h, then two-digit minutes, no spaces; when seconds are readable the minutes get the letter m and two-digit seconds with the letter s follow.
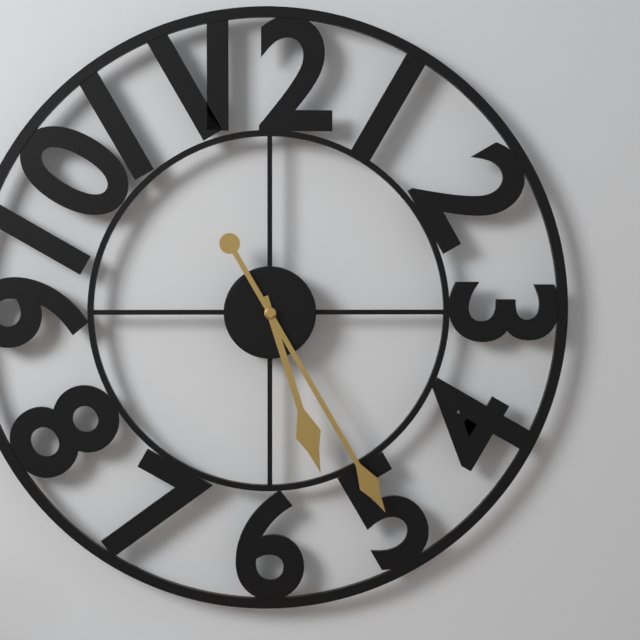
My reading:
5h25
